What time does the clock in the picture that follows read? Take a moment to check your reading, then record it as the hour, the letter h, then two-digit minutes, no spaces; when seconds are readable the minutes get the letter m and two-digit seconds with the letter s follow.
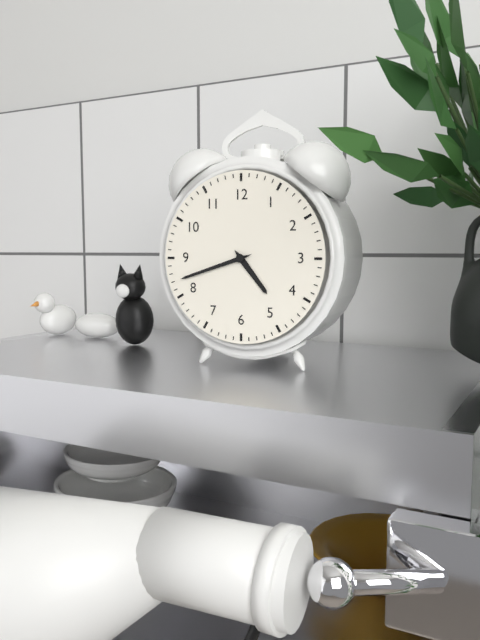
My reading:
4h42
